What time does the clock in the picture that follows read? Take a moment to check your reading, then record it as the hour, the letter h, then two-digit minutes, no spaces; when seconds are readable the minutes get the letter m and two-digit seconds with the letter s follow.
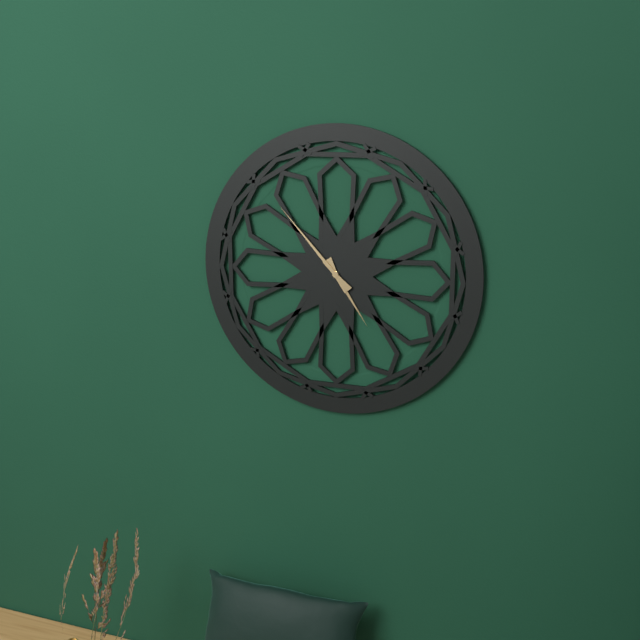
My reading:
4h53
